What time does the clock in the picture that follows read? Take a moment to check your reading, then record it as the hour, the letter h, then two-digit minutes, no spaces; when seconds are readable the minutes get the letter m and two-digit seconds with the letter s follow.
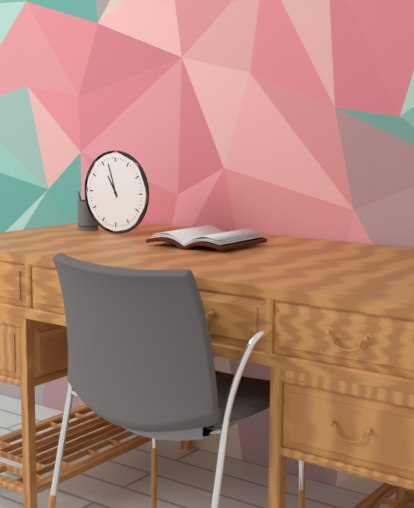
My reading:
10h57
